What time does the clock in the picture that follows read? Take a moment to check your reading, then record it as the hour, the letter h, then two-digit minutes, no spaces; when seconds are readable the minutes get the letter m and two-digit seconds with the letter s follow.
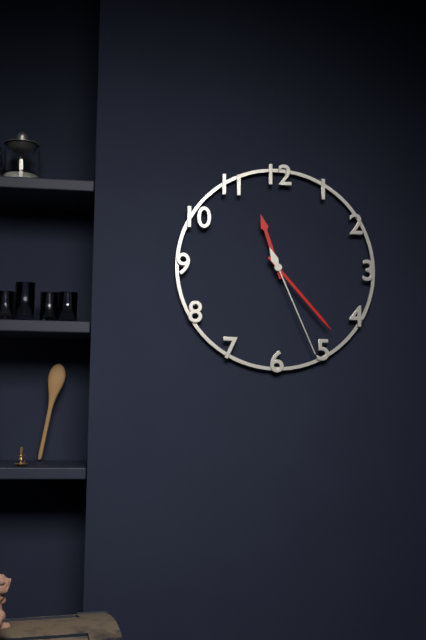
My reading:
11h23m26s
